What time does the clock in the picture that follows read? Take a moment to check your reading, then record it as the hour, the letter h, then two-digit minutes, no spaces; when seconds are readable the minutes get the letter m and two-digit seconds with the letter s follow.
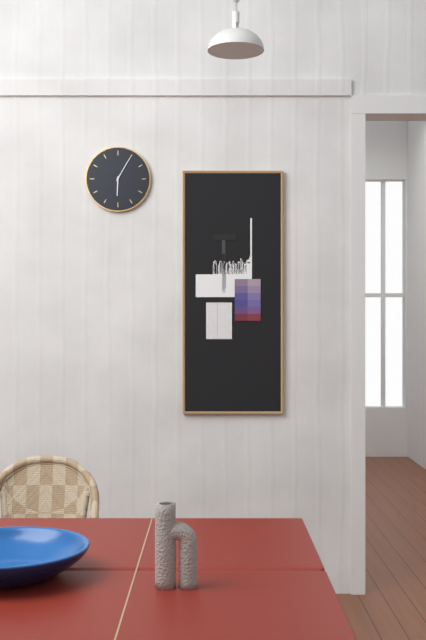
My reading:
6h05
